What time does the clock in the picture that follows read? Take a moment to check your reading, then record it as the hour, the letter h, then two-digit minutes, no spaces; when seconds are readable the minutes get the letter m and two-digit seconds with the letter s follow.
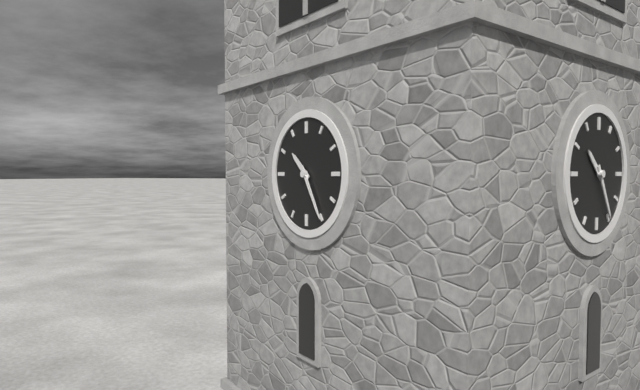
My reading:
10h25
